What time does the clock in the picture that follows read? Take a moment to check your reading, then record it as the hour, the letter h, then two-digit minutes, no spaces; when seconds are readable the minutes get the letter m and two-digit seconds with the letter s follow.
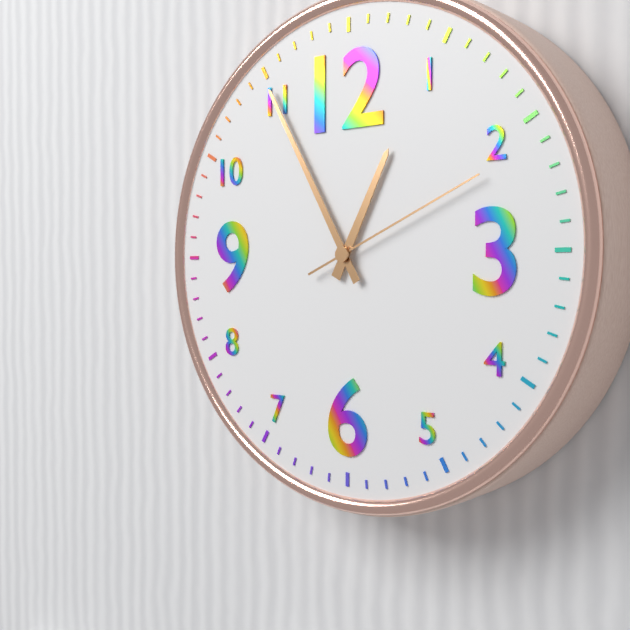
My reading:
12h55m11s
